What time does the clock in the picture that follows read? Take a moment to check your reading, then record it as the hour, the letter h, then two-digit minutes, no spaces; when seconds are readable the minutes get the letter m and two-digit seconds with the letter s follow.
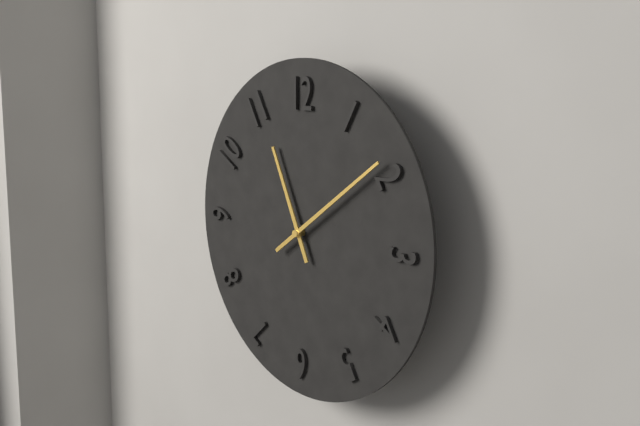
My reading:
11h09
